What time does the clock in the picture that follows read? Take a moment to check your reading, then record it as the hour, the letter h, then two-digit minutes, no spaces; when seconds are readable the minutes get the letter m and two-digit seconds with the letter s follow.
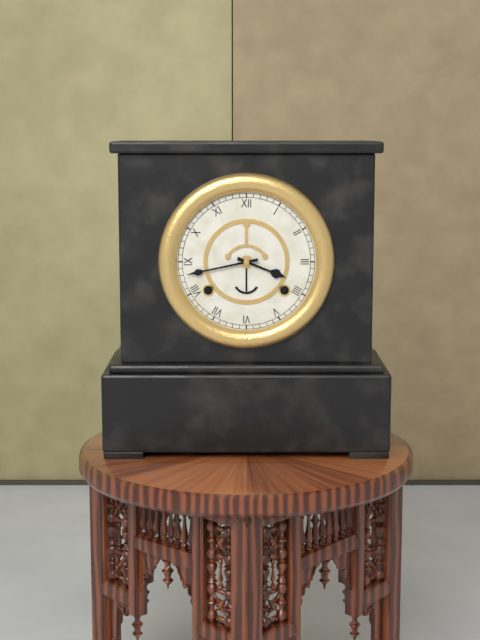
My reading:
3h43
